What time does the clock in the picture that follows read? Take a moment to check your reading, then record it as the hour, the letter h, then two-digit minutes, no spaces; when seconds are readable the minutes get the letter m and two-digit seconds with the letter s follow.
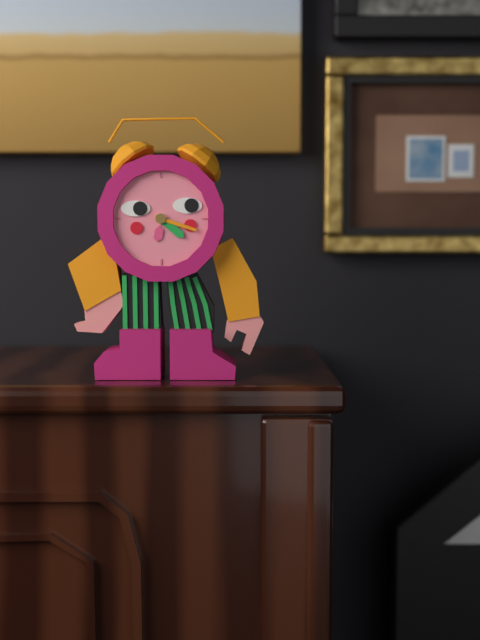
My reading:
4h18
